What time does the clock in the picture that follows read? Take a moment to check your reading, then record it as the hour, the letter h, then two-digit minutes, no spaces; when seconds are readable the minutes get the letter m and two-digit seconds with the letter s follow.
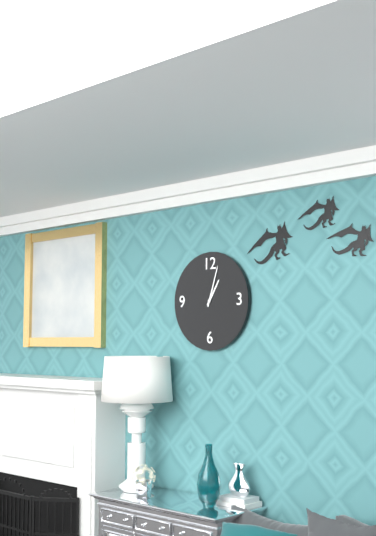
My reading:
1h03
